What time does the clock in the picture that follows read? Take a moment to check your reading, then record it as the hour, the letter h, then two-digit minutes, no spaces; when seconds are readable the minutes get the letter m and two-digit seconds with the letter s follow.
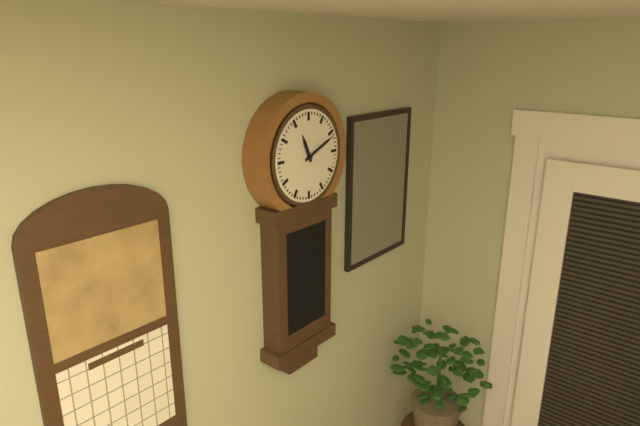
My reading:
11h11
